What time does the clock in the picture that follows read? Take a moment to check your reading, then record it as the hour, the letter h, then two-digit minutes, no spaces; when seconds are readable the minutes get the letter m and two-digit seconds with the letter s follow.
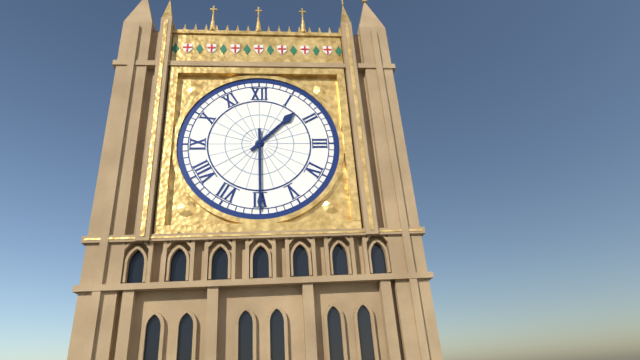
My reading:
1h30
